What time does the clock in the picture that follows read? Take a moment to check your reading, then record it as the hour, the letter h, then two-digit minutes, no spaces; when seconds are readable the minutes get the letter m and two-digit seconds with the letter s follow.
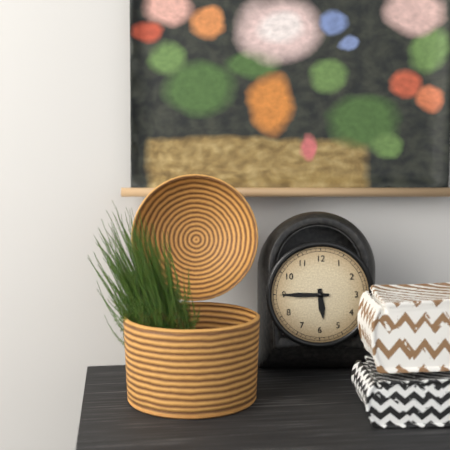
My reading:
5h45
